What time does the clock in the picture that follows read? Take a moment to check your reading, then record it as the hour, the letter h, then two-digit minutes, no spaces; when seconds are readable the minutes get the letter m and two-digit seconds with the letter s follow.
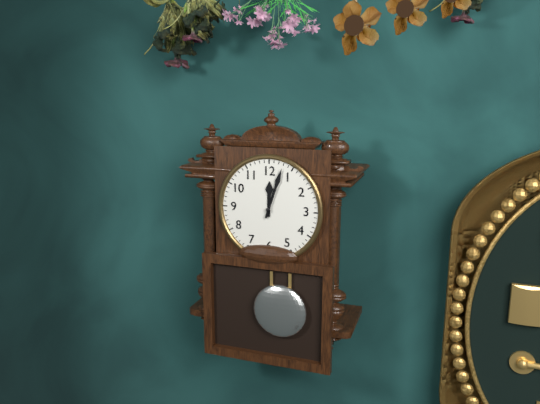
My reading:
12h03
